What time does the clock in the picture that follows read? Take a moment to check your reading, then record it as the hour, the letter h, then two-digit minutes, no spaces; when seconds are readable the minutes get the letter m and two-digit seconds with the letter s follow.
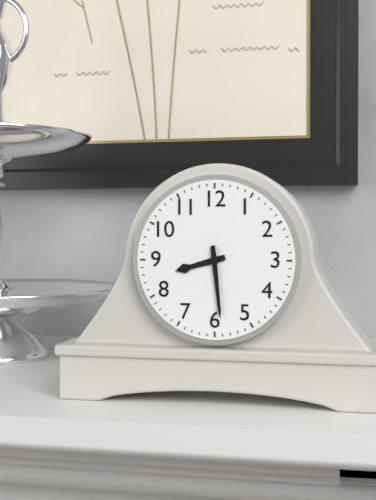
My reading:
8h29
